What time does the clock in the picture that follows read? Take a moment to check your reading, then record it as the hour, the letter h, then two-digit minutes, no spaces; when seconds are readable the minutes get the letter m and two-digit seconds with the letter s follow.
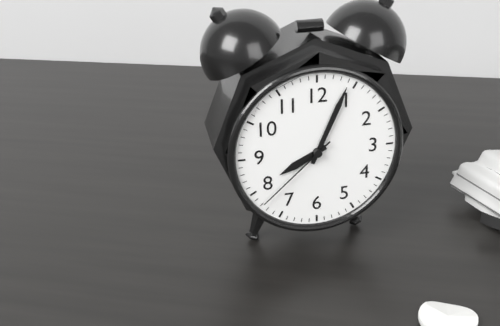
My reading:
8h04m38s
